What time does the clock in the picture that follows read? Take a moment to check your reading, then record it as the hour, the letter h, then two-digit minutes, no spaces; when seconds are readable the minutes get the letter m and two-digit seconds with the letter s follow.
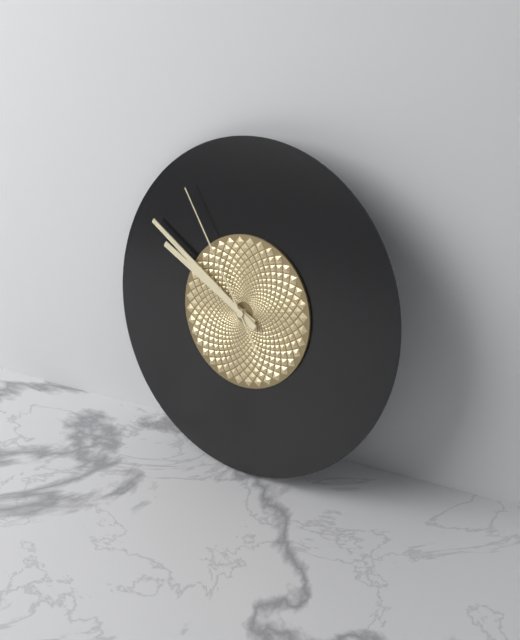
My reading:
9h50m54s
